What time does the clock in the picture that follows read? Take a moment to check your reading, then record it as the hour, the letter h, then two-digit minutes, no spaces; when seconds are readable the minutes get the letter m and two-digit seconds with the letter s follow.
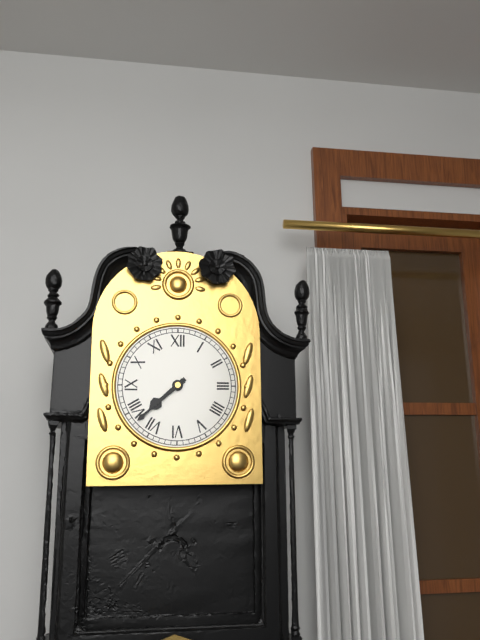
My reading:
7h38
